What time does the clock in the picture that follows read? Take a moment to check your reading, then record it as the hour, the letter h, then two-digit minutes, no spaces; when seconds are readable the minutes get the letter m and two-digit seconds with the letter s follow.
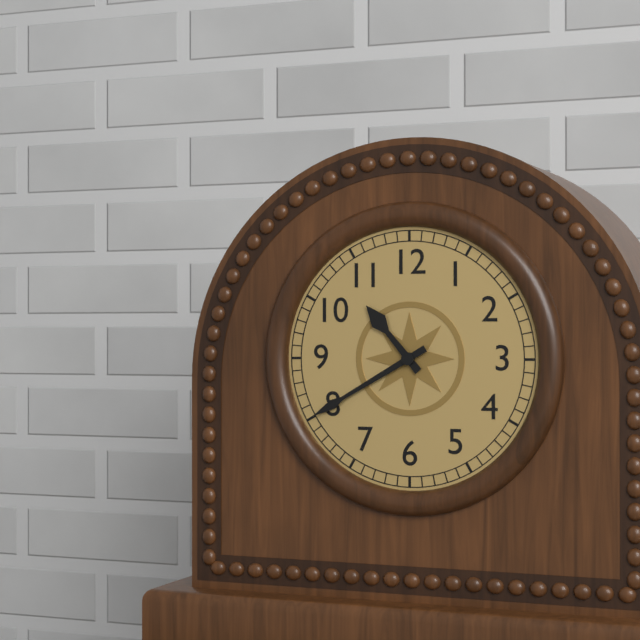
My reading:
10h40
